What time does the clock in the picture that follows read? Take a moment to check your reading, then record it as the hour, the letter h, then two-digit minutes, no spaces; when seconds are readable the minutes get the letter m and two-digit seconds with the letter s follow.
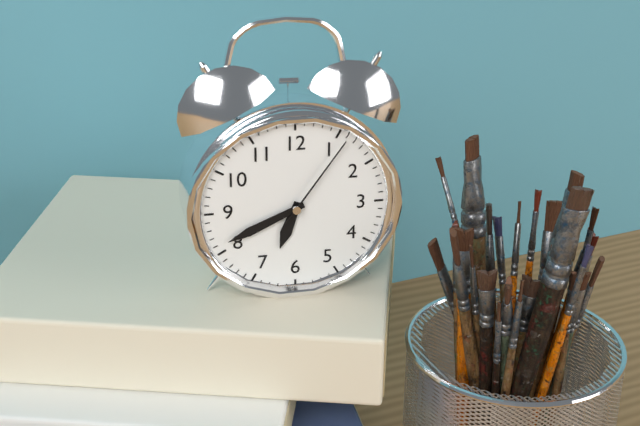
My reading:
6h41m06s
